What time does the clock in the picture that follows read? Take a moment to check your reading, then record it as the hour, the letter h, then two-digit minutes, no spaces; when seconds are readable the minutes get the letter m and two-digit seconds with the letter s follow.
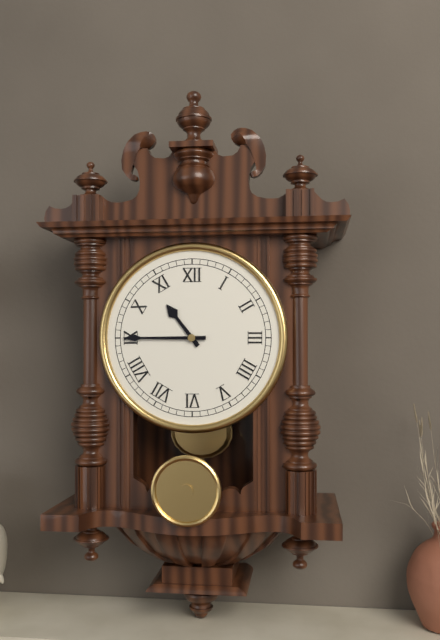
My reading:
10h45
